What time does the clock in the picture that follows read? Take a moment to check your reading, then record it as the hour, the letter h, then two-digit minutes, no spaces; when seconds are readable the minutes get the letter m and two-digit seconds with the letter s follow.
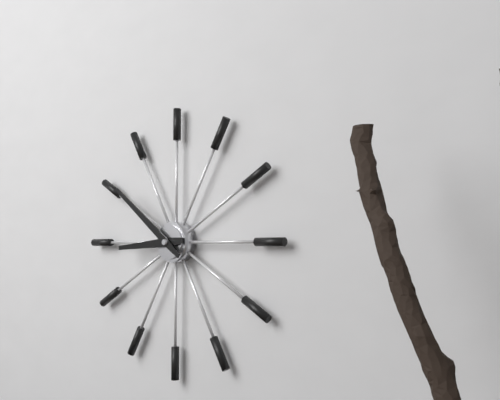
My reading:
8h51
